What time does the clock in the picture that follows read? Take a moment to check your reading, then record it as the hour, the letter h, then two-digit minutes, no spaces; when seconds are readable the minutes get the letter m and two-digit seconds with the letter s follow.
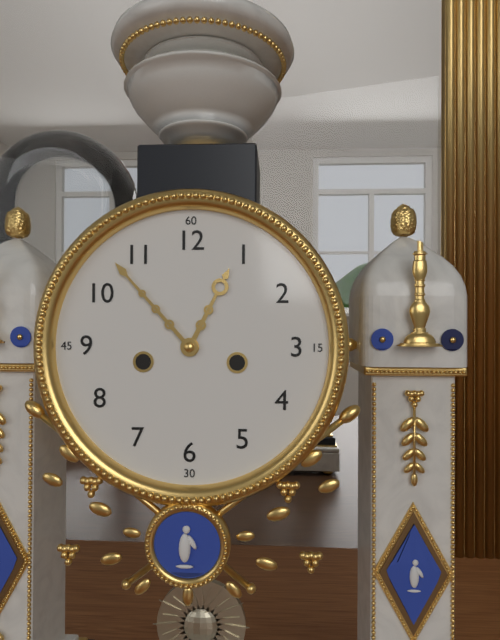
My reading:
12h53
